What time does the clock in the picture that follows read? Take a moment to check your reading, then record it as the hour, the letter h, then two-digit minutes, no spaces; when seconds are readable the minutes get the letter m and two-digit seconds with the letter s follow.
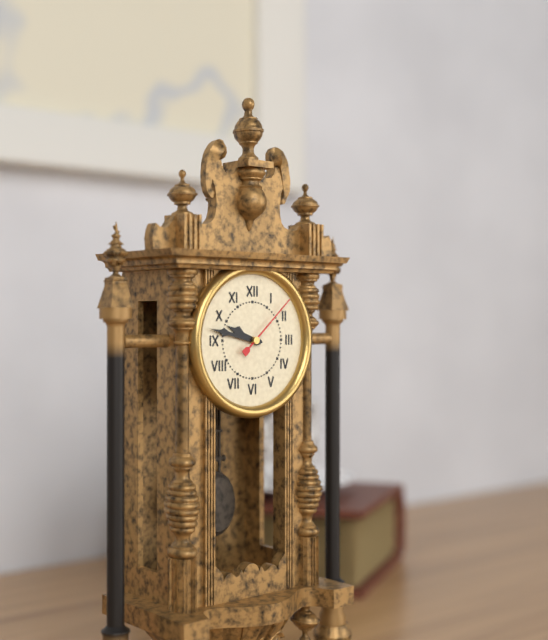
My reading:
9h47m08s
